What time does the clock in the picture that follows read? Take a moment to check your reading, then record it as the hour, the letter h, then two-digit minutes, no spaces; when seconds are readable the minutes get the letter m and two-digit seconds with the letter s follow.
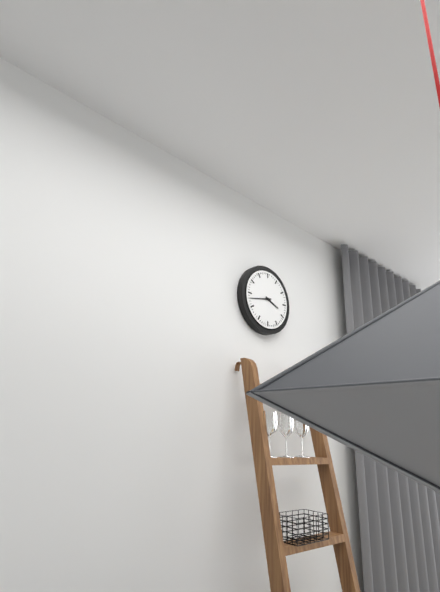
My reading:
3h43
